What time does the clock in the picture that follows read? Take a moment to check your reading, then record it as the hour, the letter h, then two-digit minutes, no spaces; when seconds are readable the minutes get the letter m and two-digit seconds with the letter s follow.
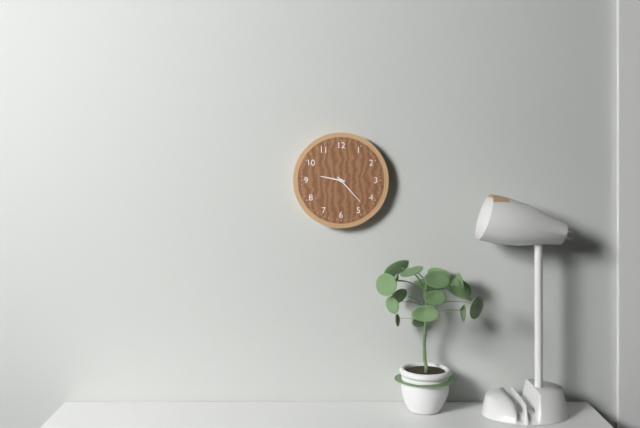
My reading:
9h23
